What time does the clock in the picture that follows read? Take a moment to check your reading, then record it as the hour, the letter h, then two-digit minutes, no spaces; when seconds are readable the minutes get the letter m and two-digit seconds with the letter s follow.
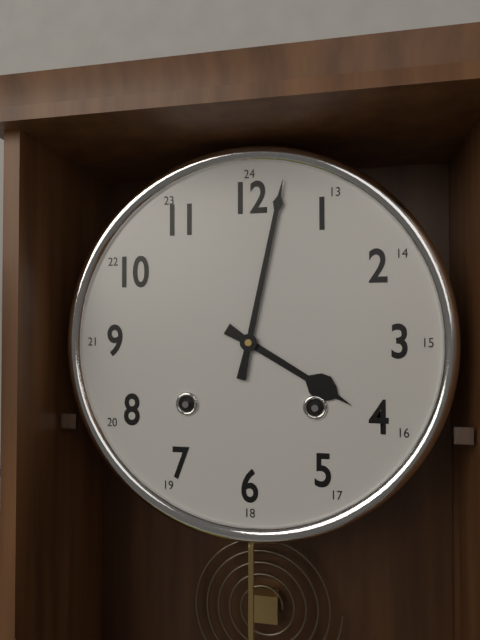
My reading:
4h02
